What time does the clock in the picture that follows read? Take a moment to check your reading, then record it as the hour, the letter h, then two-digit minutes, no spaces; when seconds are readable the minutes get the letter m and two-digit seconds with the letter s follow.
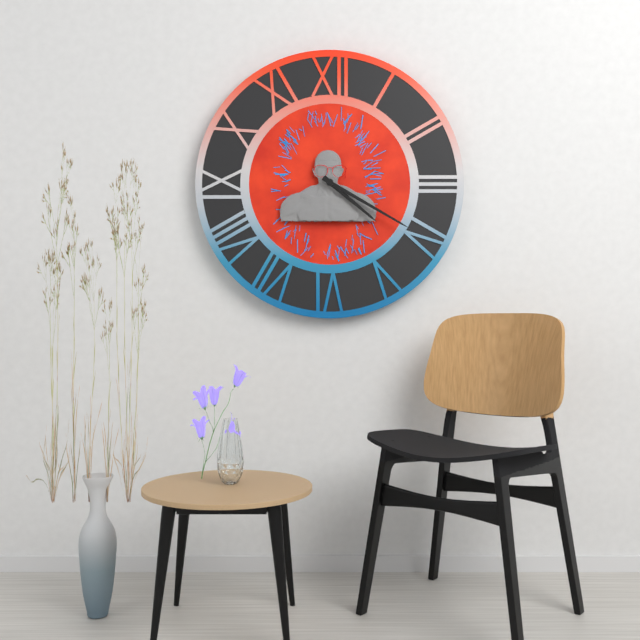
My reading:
4h20
